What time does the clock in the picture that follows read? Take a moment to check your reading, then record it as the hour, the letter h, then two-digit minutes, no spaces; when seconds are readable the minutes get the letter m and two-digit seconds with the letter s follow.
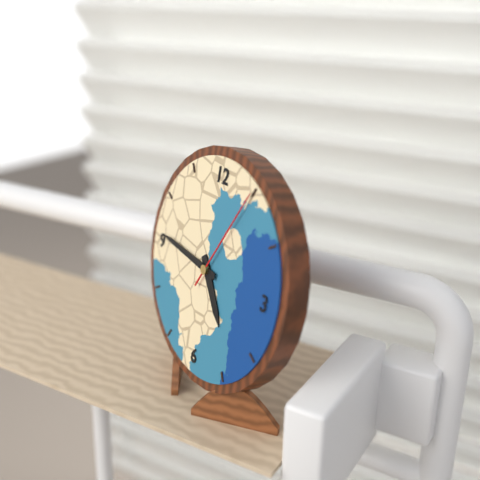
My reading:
4h46m05s
